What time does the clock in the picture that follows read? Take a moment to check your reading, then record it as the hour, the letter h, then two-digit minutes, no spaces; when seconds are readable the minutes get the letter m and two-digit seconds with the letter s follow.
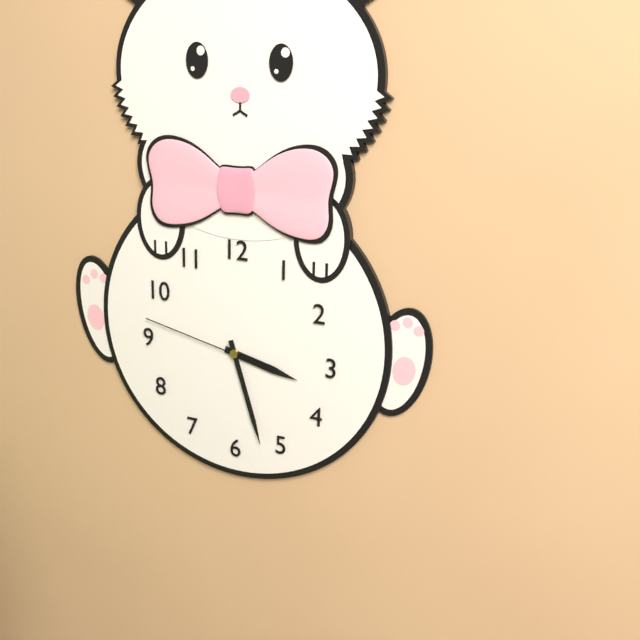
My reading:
3h27m47s
